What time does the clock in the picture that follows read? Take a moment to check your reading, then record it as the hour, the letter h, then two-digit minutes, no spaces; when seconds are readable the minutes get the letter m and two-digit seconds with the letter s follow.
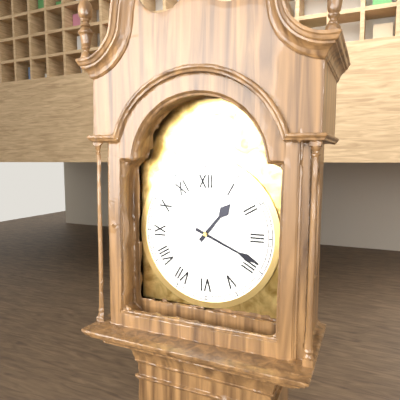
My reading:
1h19
